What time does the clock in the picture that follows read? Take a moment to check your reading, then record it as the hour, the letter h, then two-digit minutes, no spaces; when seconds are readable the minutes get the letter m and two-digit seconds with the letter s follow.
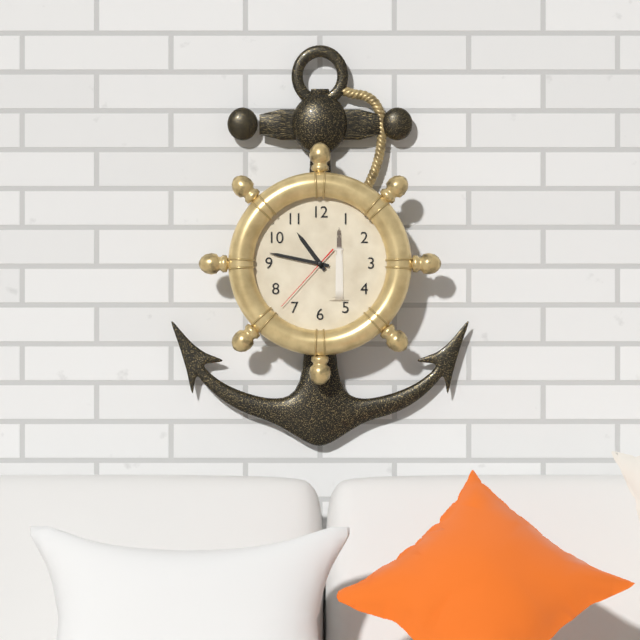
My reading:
10h47m37s
